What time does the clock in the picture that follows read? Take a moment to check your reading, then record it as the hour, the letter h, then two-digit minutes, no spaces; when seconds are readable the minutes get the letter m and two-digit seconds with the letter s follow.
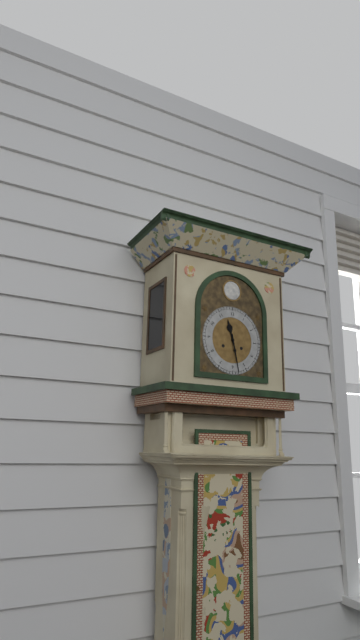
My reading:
11h28
